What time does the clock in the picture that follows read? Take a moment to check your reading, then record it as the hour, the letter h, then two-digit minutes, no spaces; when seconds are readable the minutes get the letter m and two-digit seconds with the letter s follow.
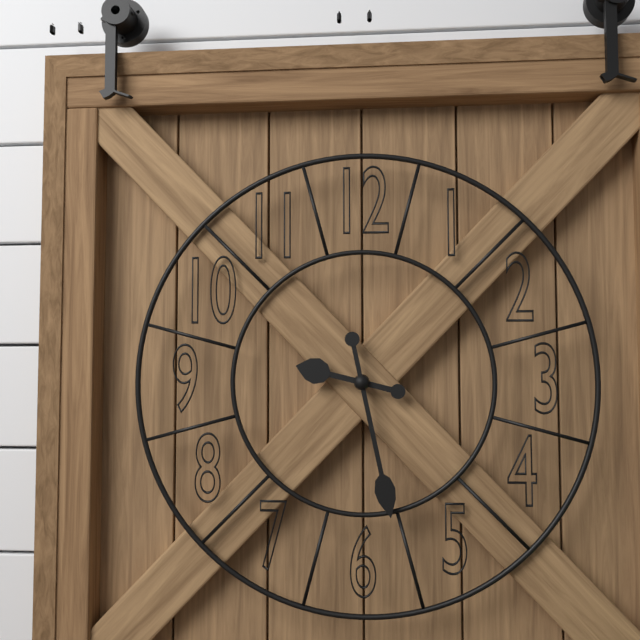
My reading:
9h28
